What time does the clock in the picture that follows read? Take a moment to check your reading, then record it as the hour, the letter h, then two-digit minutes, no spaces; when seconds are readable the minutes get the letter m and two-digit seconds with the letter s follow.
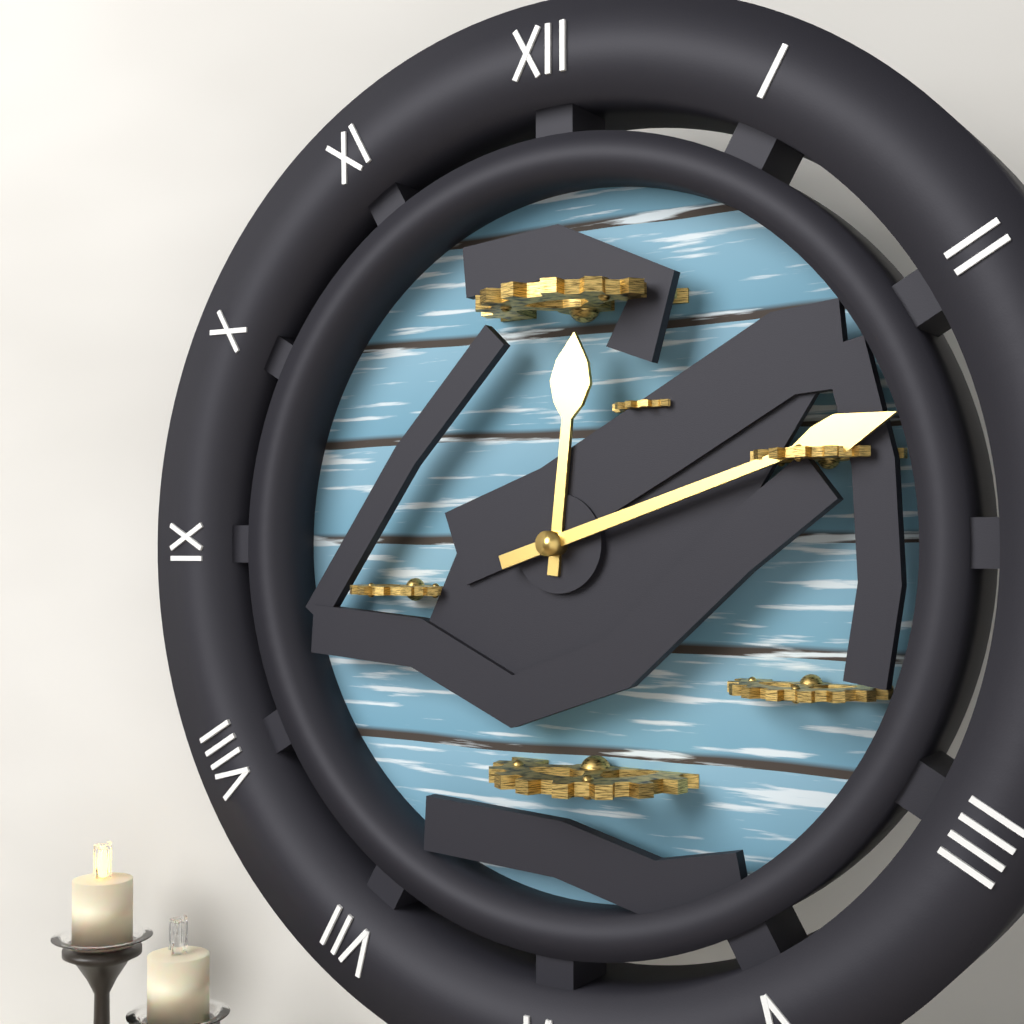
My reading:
12h12
